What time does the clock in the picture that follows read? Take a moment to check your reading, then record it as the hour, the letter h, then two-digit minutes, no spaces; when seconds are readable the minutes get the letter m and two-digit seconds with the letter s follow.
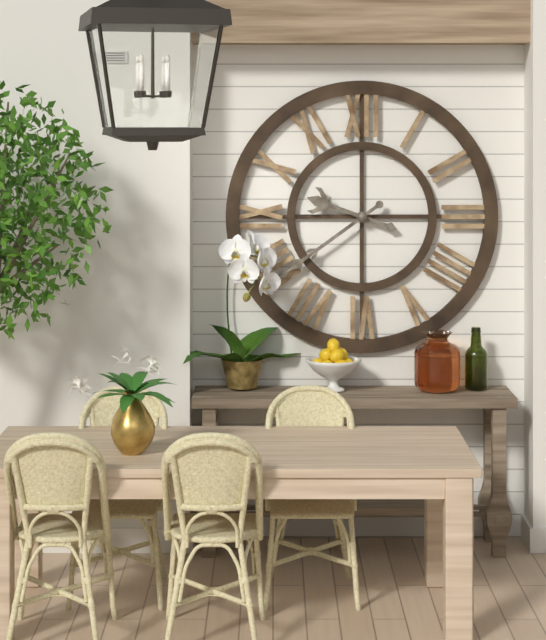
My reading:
9h39
